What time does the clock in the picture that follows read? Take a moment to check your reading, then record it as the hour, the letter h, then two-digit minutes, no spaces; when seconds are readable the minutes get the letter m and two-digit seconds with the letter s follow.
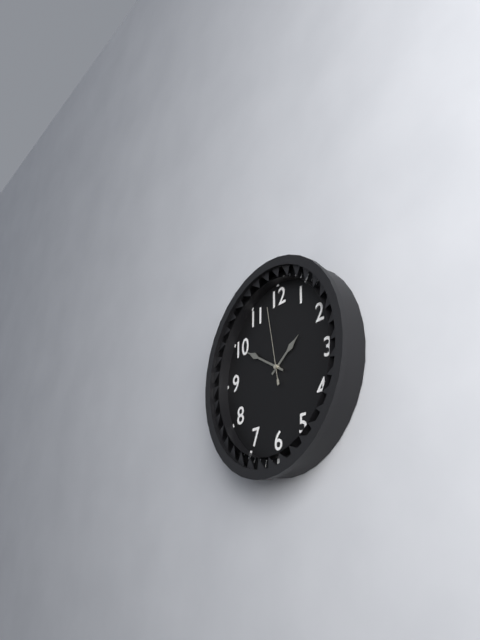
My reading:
1h50m58s
